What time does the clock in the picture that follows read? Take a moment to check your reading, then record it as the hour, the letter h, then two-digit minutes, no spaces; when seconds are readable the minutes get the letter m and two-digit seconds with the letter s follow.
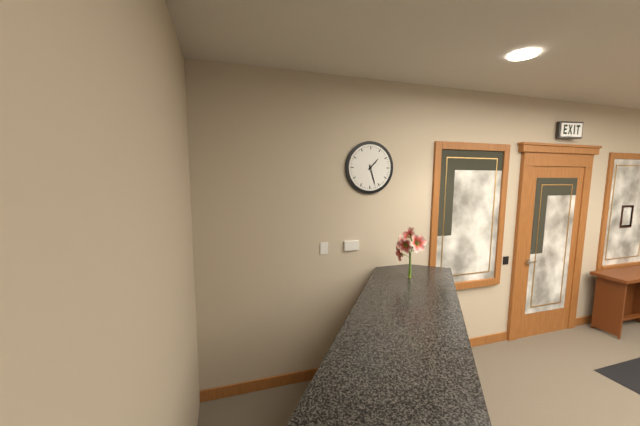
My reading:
1h27
